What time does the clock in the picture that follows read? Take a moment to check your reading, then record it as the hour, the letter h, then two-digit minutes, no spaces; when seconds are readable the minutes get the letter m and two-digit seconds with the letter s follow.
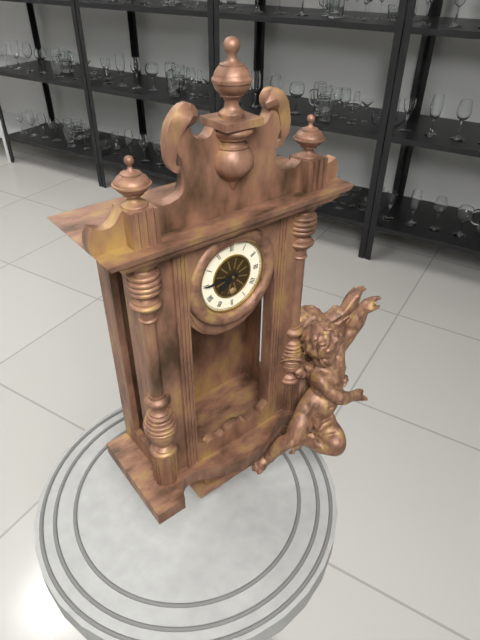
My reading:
7h45
